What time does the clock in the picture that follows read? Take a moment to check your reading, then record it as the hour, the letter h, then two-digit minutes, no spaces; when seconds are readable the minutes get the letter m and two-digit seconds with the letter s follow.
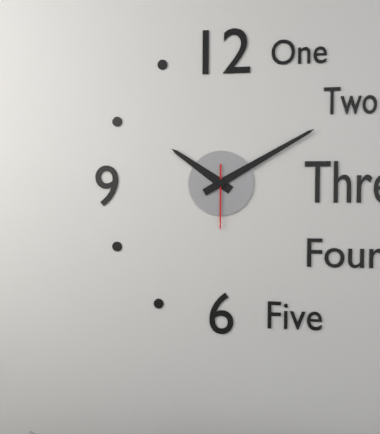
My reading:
10h10m30s
